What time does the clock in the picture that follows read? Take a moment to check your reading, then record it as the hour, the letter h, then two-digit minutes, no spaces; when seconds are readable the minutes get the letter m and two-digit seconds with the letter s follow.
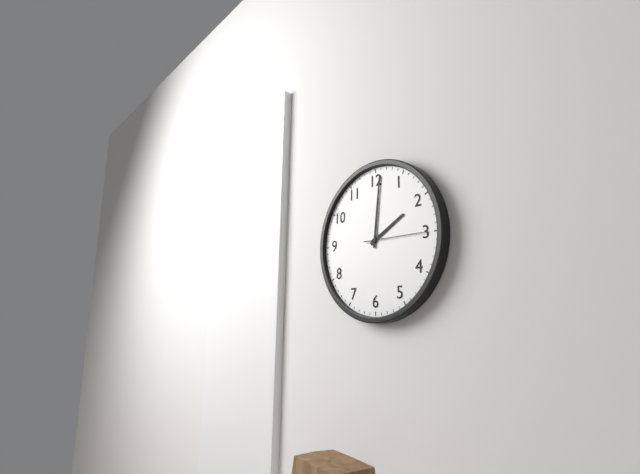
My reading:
2h01m15s
